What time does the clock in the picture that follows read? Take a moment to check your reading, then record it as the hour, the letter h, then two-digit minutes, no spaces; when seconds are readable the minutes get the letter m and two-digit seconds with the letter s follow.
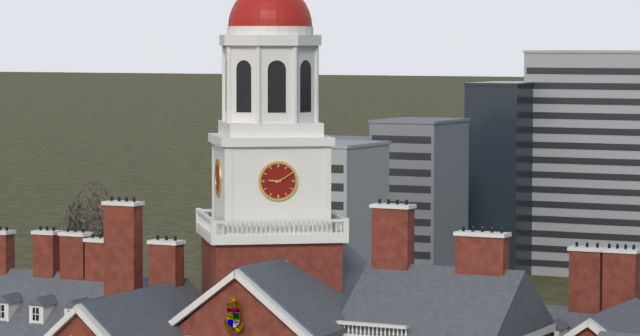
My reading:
9h10
